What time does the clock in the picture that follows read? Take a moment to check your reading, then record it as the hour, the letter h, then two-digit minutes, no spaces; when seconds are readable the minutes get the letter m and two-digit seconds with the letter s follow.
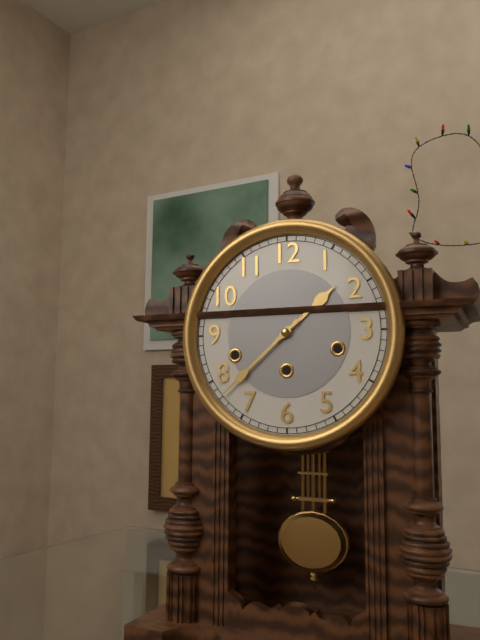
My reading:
1h38
